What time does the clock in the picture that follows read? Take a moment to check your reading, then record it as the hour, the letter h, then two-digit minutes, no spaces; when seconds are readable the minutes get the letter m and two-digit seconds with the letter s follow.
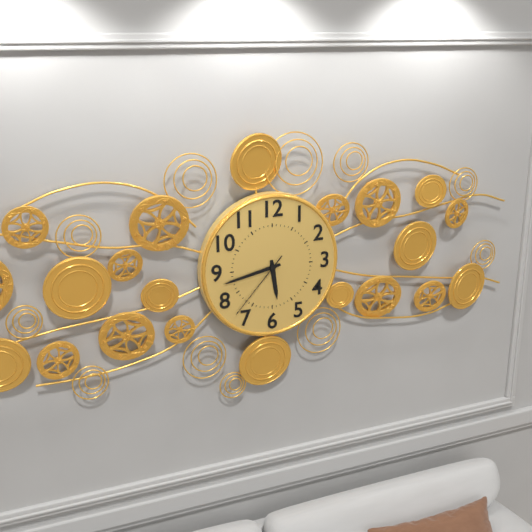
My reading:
5h43m37s
